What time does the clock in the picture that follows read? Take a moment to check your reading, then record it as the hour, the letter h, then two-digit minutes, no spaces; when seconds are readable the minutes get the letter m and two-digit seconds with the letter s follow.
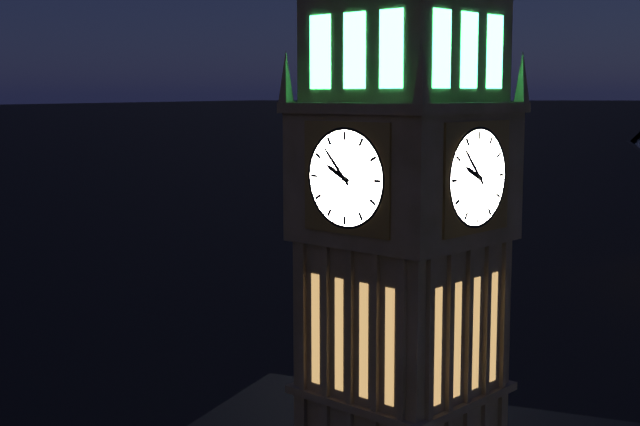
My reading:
9h53
